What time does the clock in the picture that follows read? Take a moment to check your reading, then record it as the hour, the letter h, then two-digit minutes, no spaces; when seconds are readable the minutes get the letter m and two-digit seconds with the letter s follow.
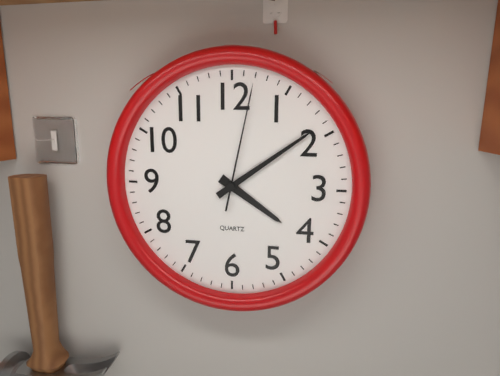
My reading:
4h09m02s
